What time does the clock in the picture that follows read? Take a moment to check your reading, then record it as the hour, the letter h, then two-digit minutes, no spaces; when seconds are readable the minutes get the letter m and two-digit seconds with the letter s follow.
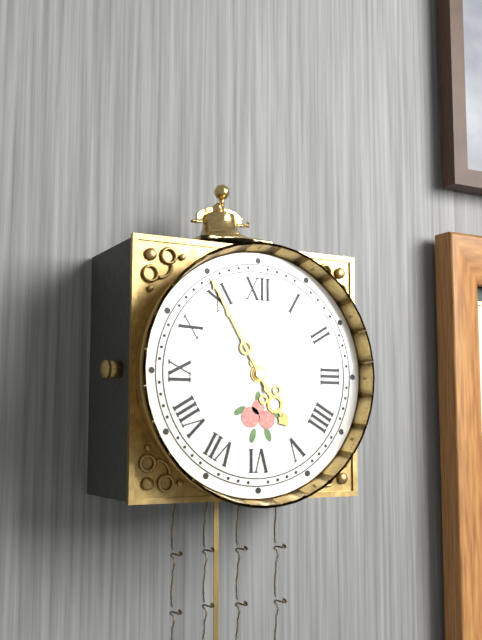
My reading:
4h55
